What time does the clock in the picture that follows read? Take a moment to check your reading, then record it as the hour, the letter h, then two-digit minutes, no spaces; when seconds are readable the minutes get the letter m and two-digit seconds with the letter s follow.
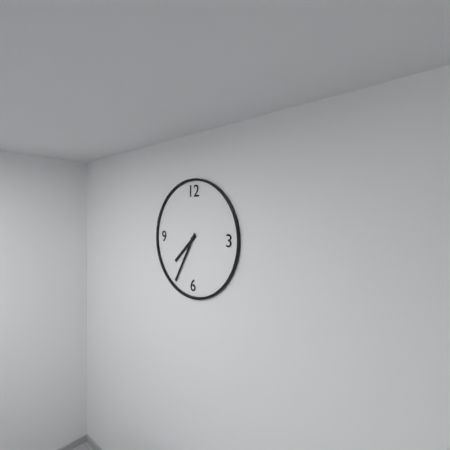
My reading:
7h35
